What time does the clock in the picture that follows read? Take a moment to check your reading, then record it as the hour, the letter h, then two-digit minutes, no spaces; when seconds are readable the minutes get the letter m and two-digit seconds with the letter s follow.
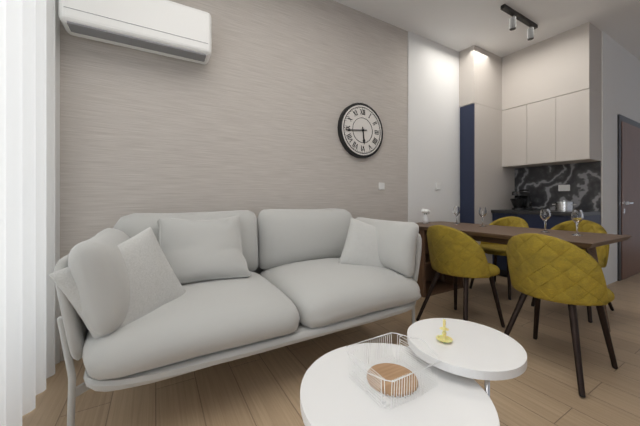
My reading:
5h44
